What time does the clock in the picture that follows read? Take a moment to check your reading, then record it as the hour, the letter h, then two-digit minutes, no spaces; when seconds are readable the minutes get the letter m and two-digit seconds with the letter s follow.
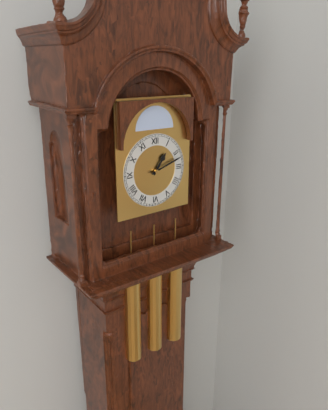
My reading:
1h12
